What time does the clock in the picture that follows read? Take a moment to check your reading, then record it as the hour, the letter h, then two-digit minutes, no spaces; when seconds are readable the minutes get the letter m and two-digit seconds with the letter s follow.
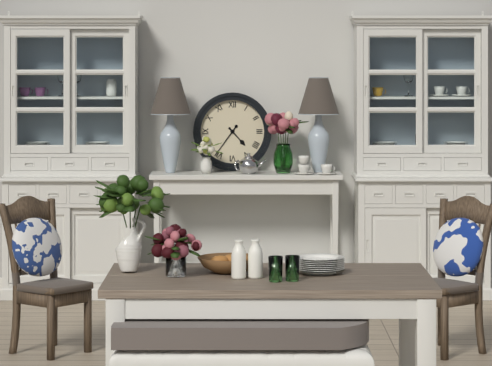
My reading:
4h36
